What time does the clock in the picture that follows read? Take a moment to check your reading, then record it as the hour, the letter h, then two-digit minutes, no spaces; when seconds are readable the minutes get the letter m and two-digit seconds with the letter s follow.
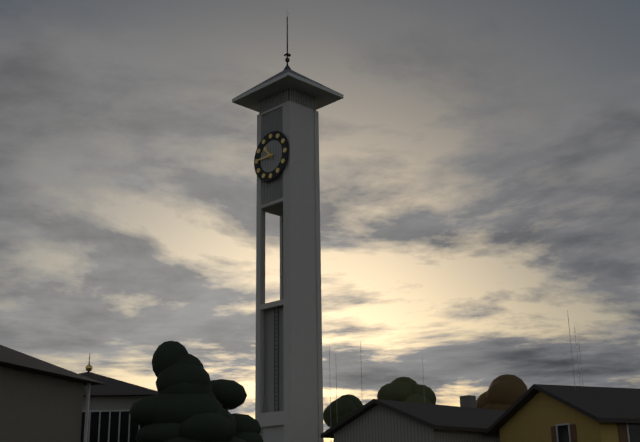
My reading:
10h45
